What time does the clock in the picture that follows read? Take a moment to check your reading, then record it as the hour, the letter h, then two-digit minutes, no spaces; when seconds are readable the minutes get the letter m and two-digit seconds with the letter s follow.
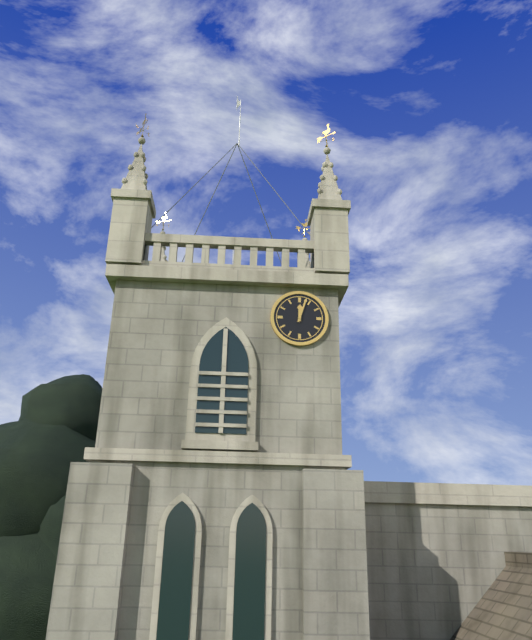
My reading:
12h03
